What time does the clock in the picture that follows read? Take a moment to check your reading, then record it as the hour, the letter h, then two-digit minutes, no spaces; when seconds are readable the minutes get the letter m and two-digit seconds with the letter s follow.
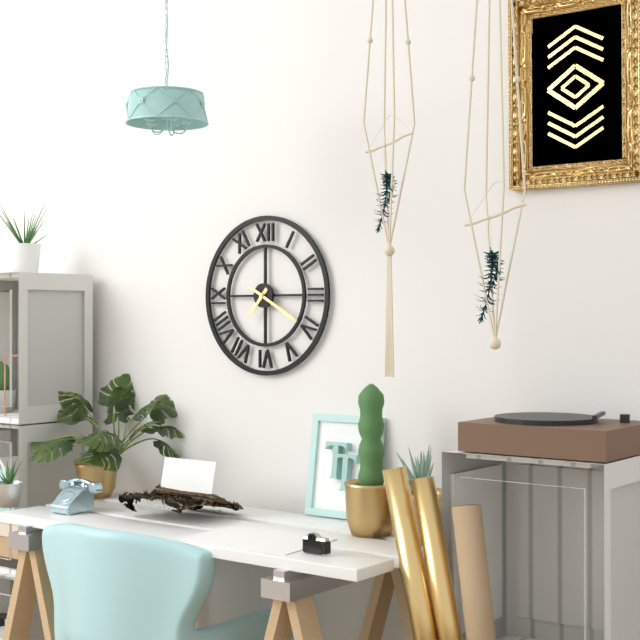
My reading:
7h20
